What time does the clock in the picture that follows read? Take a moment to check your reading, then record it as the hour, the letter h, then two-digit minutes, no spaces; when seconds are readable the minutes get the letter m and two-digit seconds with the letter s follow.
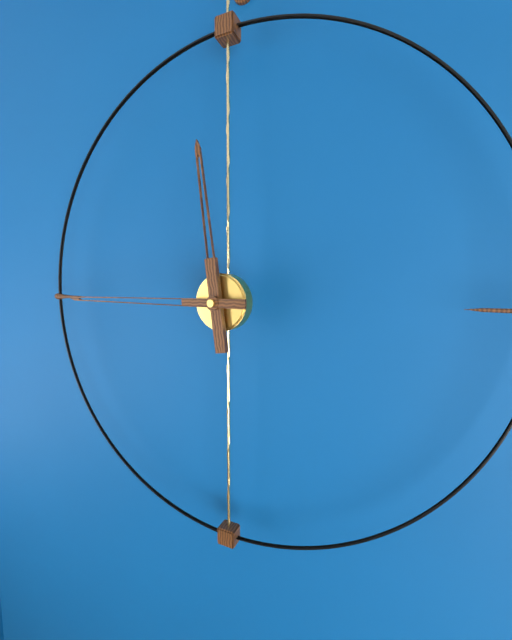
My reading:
11h45
